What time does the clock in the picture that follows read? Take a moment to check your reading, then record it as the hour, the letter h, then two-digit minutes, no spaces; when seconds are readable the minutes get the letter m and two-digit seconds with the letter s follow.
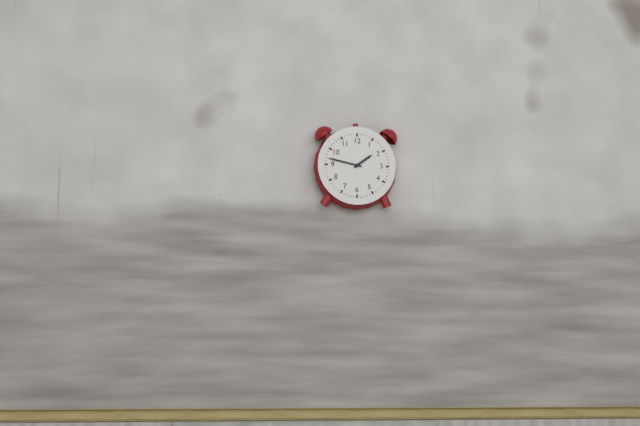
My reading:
1h47
